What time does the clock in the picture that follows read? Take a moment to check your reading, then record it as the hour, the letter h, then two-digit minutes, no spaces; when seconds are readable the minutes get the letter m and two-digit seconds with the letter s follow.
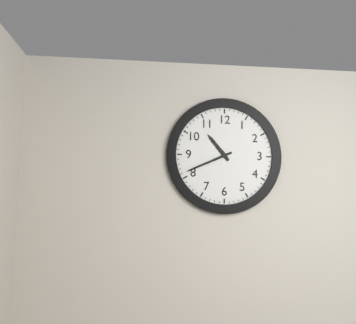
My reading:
10h41
